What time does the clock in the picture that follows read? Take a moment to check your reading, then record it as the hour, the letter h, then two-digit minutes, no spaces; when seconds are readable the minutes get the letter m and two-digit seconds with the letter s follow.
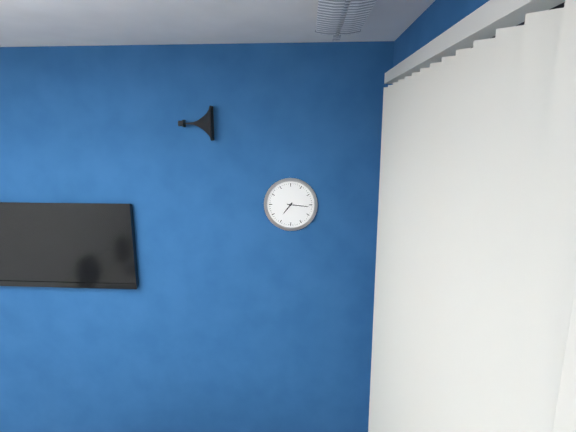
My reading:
7h16
